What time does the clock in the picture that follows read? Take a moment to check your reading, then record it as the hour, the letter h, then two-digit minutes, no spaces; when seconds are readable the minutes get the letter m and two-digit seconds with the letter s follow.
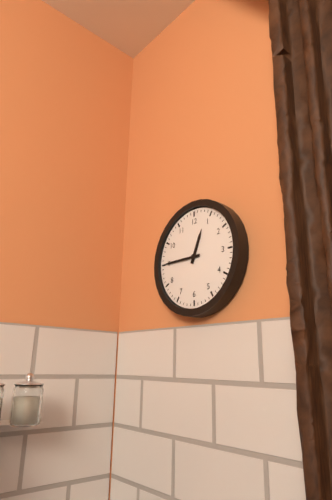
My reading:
12h45
